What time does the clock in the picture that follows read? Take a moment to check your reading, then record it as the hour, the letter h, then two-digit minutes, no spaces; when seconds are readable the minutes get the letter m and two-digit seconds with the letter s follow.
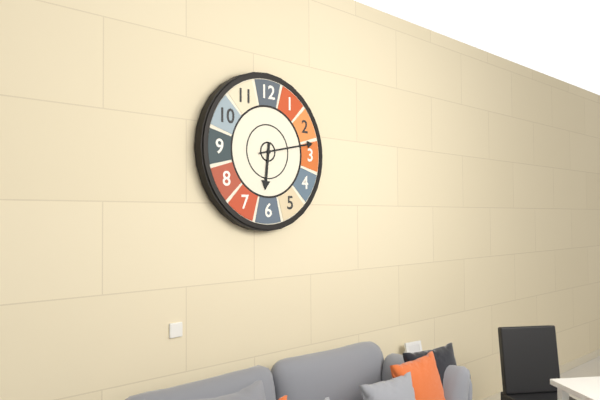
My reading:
6h13
